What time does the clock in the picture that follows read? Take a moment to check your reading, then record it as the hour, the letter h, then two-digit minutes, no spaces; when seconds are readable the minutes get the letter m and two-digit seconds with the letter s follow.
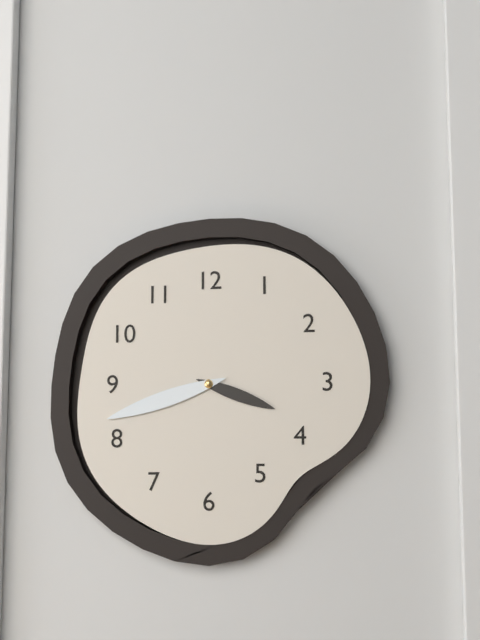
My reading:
3h42
